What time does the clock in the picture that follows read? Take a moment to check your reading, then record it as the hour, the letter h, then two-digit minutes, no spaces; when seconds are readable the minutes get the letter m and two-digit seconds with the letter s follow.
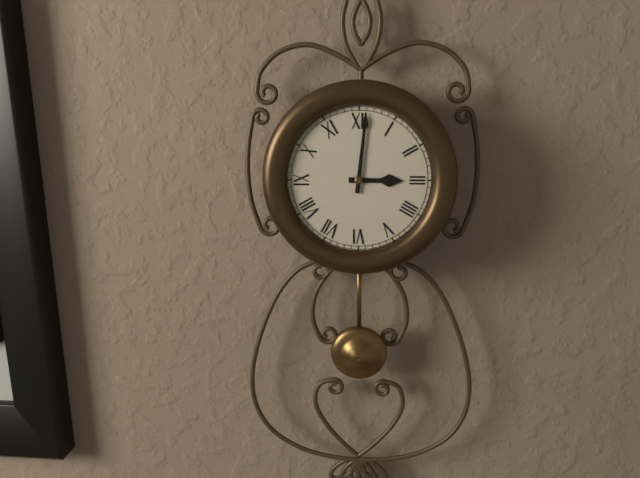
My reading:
3h01
